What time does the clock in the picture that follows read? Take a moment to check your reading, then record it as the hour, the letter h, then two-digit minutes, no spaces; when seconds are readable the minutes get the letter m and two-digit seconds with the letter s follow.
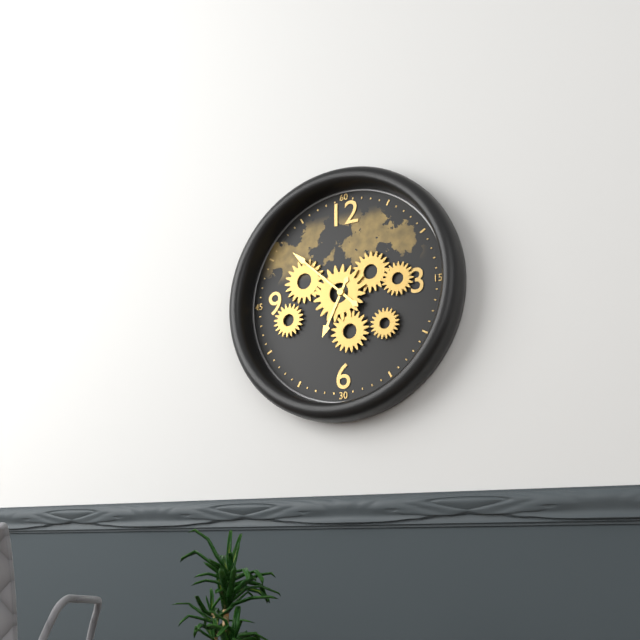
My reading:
6h52
